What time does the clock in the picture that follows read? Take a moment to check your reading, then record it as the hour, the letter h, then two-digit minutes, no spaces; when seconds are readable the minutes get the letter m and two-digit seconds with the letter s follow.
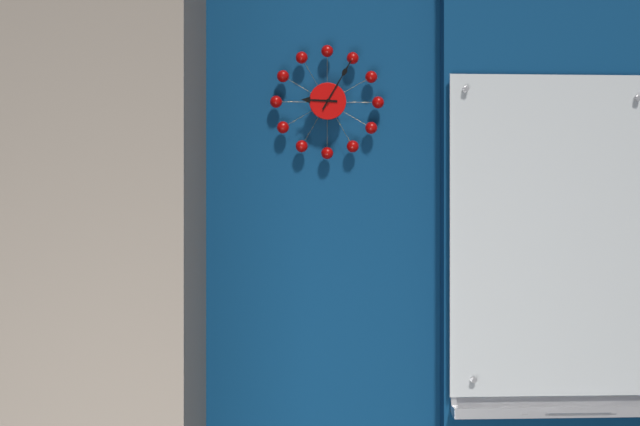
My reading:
9h05
